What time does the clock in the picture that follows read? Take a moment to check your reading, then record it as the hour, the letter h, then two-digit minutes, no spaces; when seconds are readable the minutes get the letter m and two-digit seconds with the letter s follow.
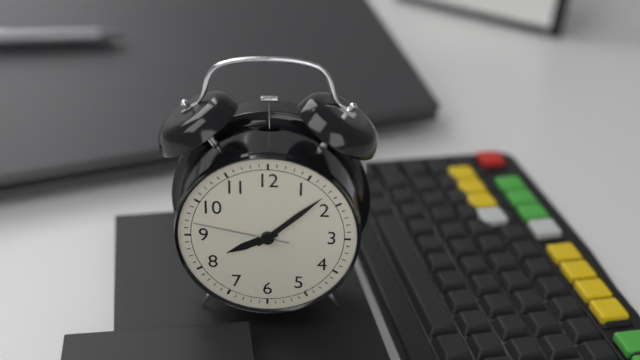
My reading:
8h08m47s
